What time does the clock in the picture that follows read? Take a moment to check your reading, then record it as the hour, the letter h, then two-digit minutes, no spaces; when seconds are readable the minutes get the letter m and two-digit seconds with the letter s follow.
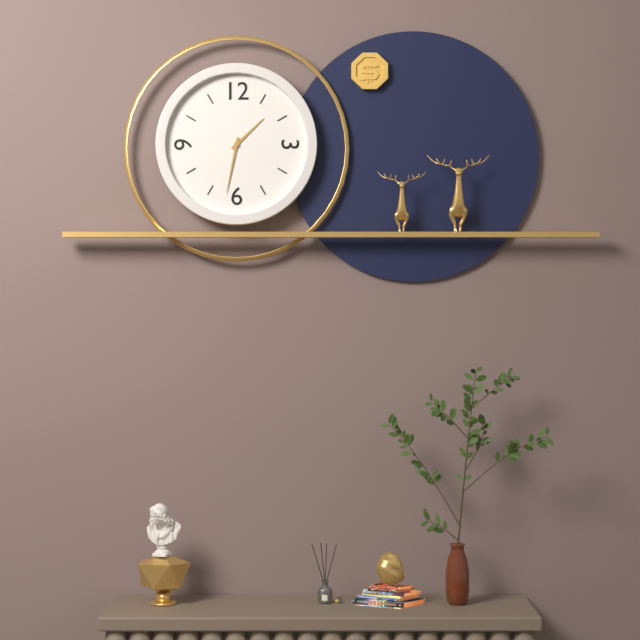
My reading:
1h32
